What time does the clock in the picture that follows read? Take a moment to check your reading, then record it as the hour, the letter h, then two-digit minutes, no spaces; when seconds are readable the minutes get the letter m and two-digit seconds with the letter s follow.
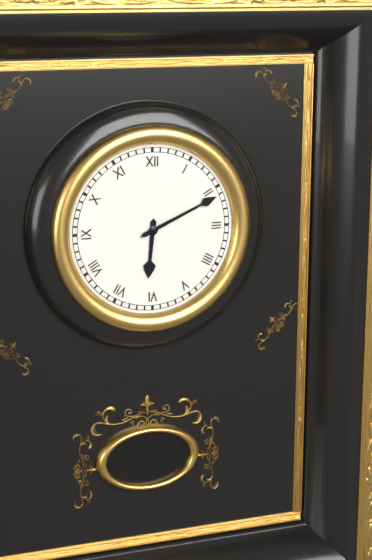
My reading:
6h11
